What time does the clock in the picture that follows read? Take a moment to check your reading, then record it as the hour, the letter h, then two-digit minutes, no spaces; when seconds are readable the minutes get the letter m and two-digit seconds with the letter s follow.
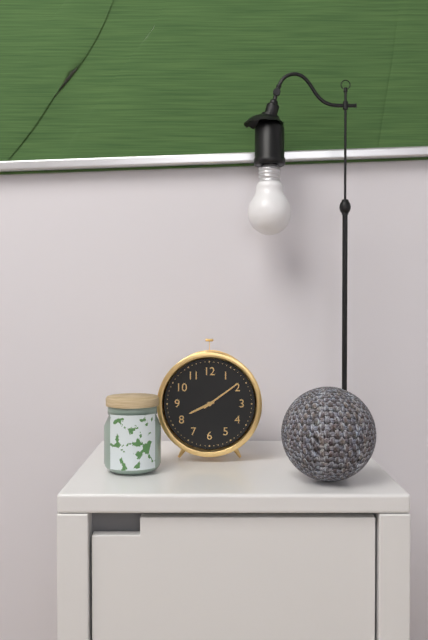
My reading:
8h09
